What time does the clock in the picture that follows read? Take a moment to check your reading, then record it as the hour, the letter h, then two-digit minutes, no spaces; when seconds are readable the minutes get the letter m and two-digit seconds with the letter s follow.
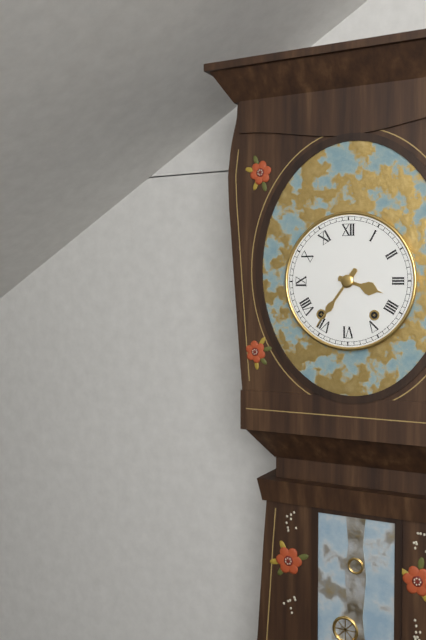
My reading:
3h36
